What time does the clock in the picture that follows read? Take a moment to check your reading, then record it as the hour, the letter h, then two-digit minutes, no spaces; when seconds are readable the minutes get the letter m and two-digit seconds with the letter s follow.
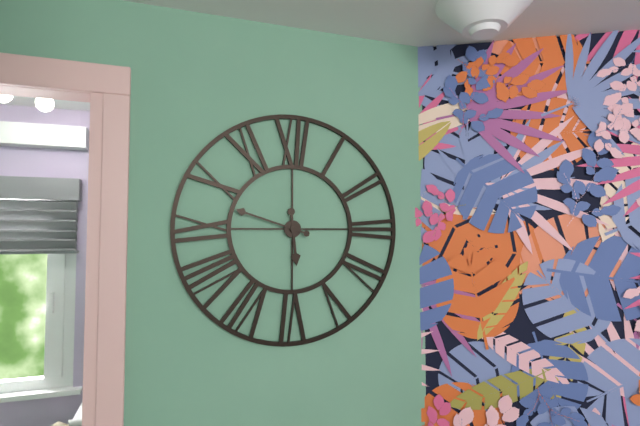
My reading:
5h48
